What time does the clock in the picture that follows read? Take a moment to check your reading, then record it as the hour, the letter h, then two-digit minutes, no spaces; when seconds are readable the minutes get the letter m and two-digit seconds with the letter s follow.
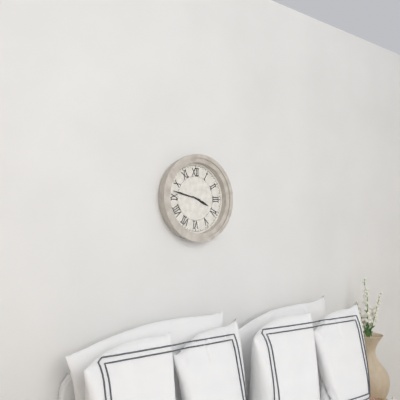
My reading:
3h47
